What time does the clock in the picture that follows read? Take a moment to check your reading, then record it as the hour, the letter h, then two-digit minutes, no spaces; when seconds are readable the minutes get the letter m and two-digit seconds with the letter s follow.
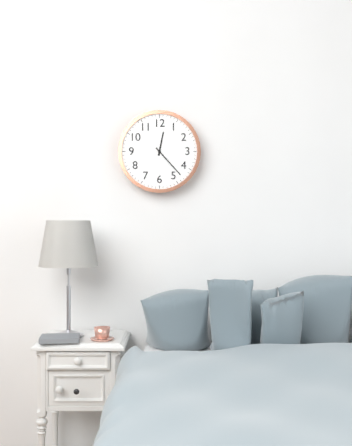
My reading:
12h23
